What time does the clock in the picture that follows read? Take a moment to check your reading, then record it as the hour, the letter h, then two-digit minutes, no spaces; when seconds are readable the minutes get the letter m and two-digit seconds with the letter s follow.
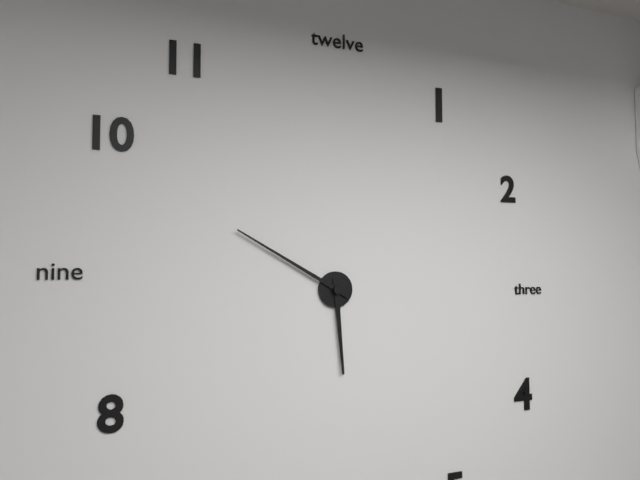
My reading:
5h50
